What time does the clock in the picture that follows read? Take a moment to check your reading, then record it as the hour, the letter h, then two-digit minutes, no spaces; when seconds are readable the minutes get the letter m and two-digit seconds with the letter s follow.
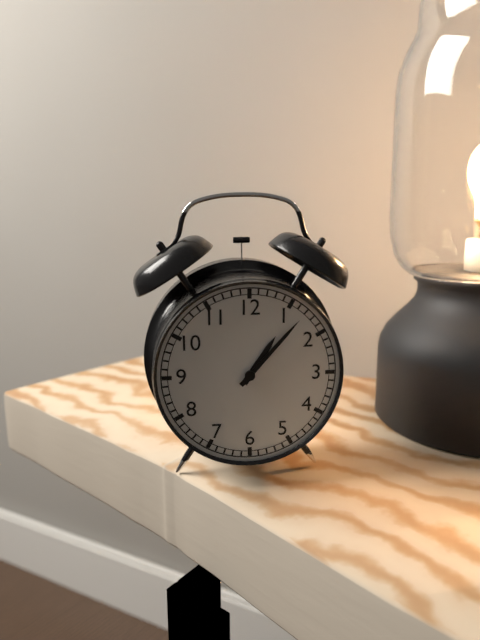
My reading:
1h07
